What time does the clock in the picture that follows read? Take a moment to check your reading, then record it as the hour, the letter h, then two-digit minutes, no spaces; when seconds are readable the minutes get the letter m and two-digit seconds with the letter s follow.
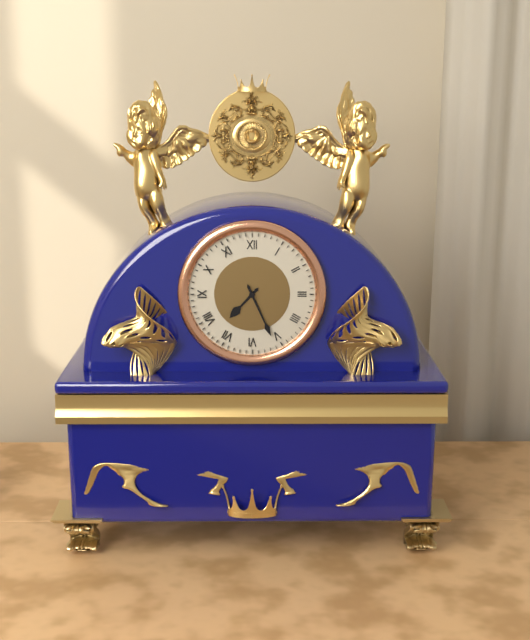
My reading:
7h26
